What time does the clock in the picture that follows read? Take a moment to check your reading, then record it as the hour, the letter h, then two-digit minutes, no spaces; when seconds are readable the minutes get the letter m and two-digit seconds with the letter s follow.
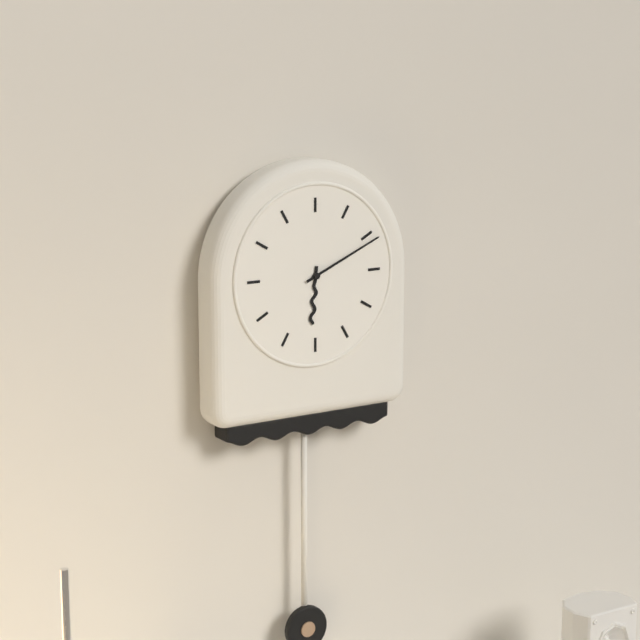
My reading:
6h11
